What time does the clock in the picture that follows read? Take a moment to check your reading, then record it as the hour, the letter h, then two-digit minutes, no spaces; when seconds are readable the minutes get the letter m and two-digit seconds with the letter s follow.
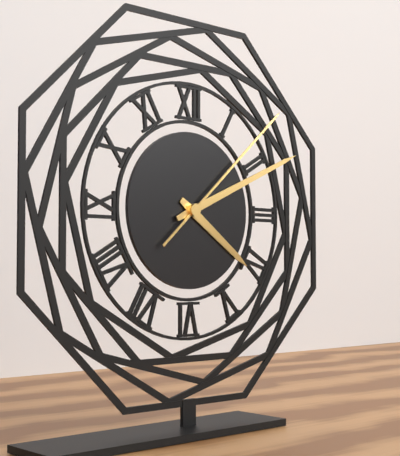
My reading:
4h11m08s
